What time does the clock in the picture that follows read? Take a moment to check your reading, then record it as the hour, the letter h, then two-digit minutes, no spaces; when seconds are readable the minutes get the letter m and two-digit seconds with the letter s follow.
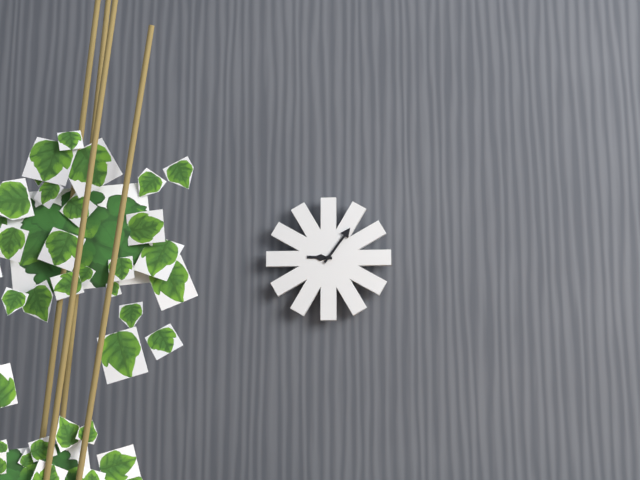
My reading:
9h06
